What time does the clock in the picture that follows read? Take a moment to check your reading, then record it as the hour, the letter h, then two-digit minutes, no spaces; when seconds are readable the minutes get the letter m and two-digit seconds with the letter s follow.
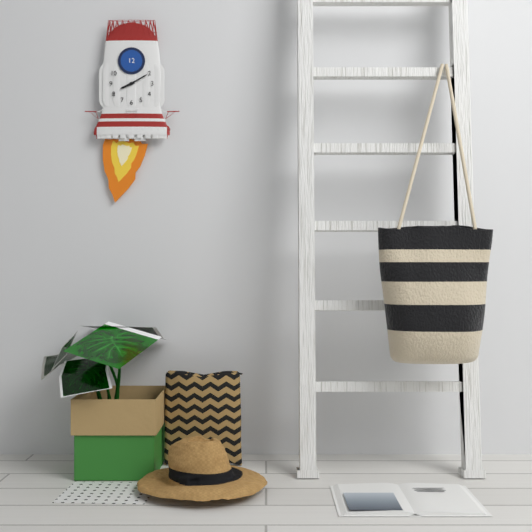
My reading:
8h10
